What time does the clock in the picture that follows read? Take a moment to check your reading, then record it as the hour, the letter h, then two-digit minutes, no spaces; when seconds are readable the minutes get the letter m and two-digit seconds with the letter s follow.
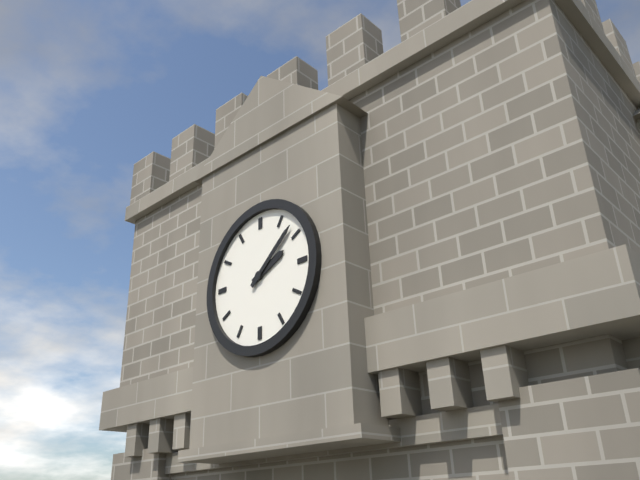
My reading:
2h08
